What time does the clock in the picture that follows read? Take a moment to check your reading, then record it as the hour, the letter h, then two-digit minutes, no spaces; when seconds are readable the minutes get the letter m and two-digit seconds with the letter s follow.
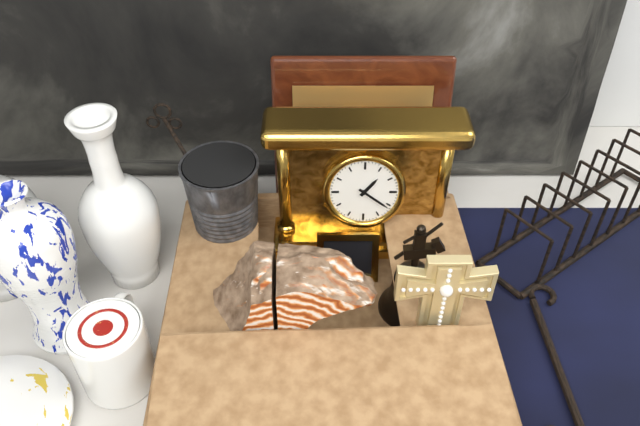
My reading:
1h21
